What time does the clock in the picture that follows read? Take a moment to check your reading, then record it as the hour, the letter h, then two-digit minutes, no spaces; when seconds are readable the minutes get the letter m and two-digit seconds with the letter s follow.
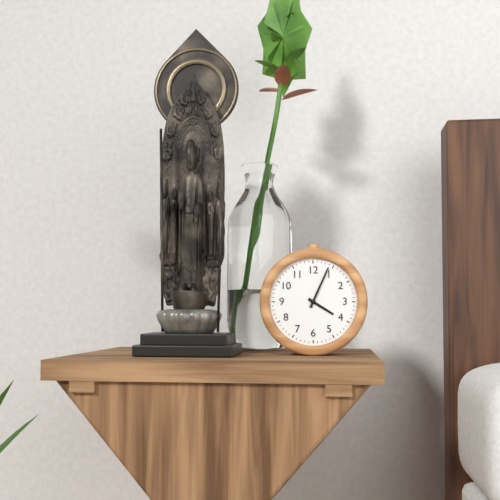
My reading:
4h04
